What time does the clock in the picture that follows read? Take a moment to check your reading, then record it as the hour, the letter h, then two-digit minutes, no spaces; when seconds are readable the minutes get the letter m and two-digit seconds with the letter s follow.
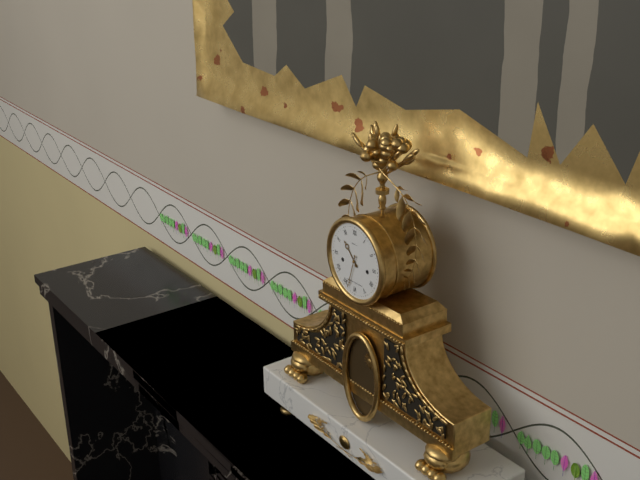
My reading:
10h33
